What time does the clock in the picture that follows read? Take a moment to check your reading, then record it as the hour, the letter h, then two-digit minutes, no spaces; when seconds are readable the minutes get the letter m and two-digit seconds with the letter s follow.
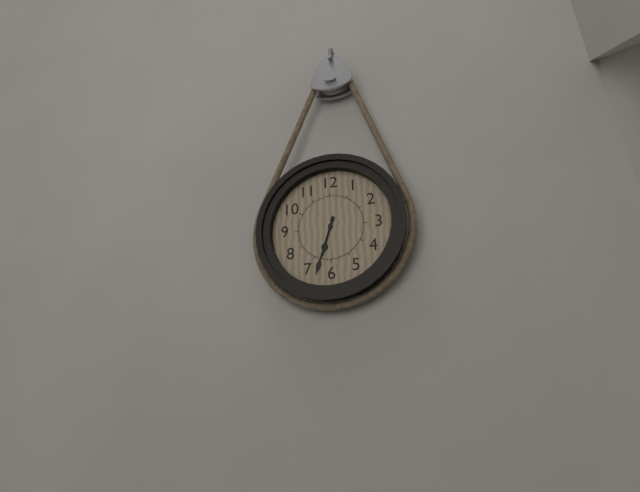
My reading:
6h33
